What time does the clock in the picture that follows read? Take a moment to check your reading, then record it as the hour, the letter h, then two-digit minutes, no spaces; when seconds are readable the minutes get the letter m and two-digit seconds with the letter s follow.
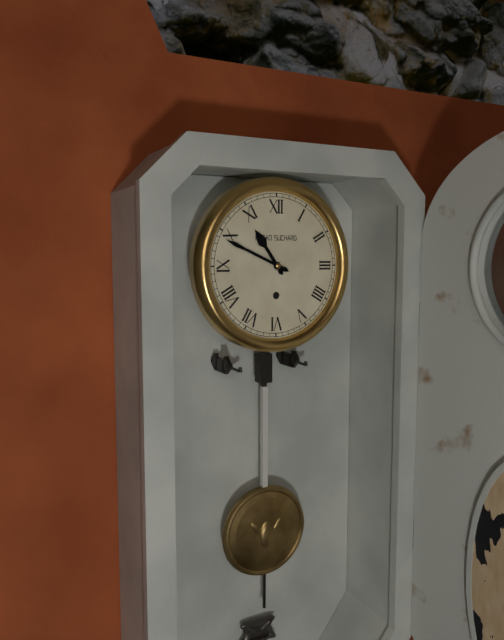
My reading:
10h49
